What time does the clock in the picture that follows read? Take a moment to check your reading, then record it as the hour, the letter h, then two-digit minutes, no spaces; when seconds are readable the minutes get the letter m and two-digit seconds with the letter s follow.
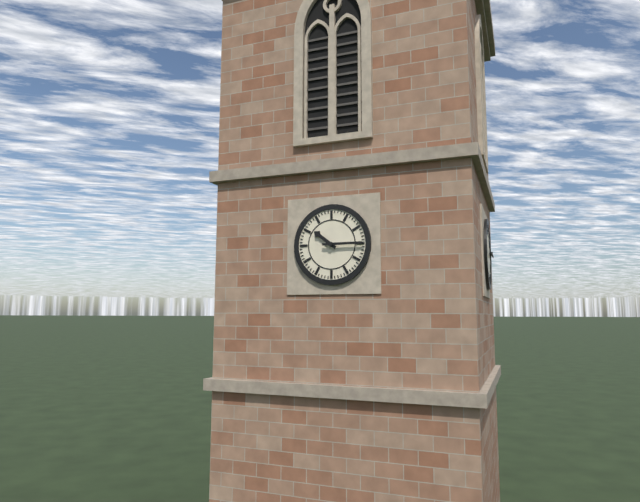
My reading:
10h15
